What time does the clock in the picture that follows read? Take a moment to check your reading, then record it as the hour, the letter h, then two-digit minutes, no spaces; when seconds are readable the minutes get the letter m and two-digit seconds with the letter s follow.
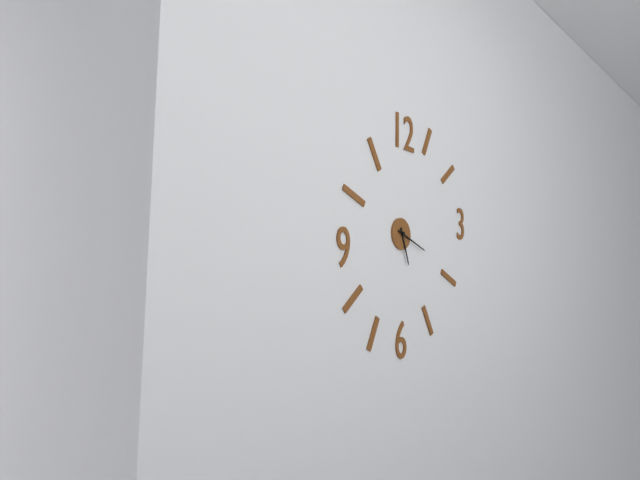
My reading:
5h18
